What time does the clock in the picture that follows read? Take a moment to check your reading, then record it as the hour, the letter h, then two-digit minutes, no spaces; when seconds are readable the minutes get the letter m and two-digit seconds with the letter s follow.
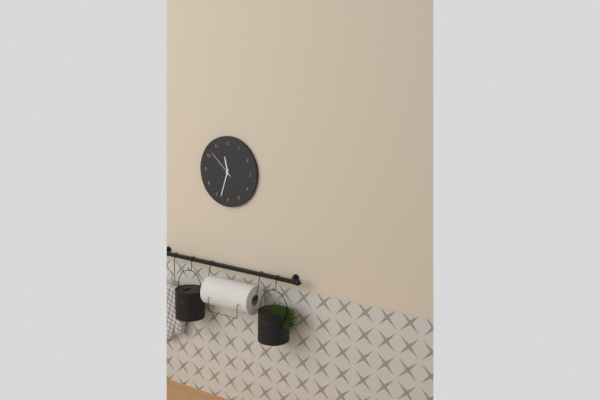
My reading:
11h33
